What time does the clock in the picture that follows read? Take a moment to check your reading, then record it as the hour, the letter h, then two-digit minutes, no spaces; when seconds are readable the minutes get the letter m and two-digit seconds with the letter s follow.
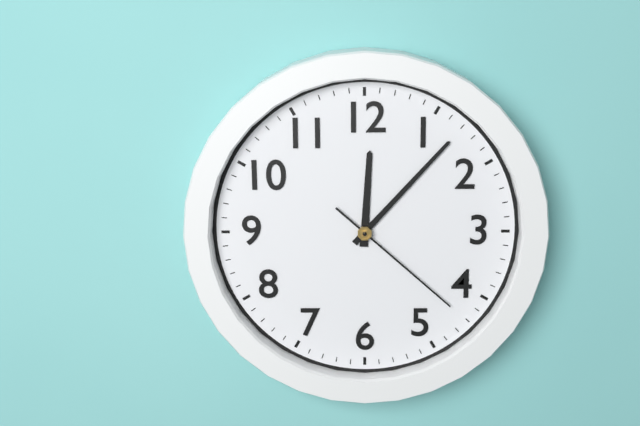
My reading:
12h07m22s
